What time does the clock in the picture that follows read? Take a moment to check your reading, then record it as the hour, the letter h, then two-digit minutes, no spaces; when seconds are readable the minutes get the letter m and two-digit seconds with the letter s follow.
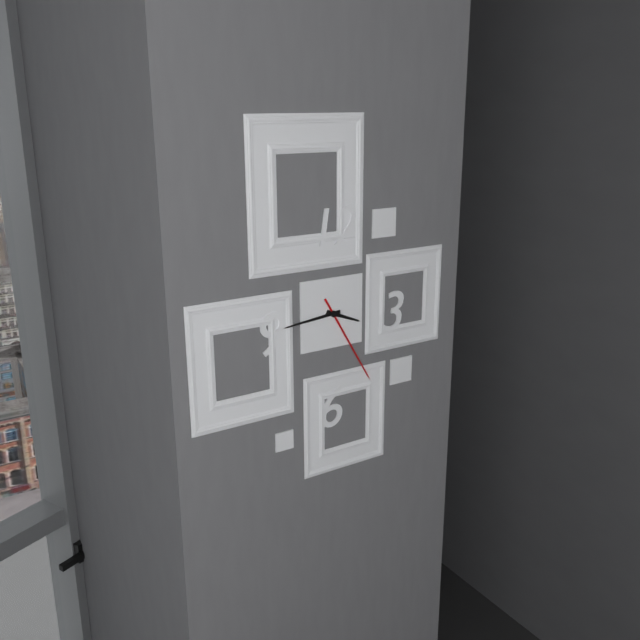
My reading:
3h44m25s
